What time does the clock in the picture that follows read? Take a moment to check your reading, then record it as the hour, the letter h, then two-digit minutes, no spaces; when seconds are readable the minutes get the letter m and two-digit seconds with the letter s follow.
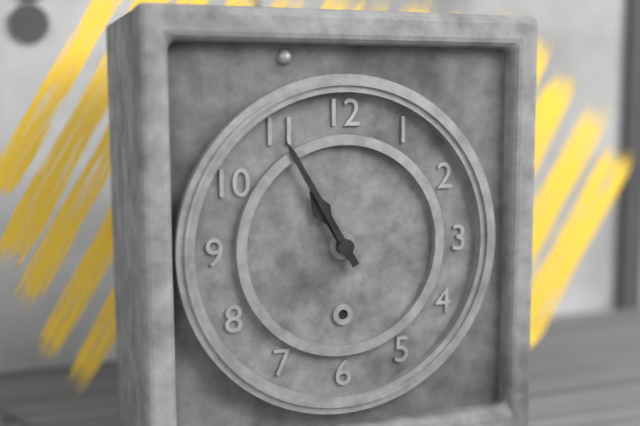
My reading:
10h55
